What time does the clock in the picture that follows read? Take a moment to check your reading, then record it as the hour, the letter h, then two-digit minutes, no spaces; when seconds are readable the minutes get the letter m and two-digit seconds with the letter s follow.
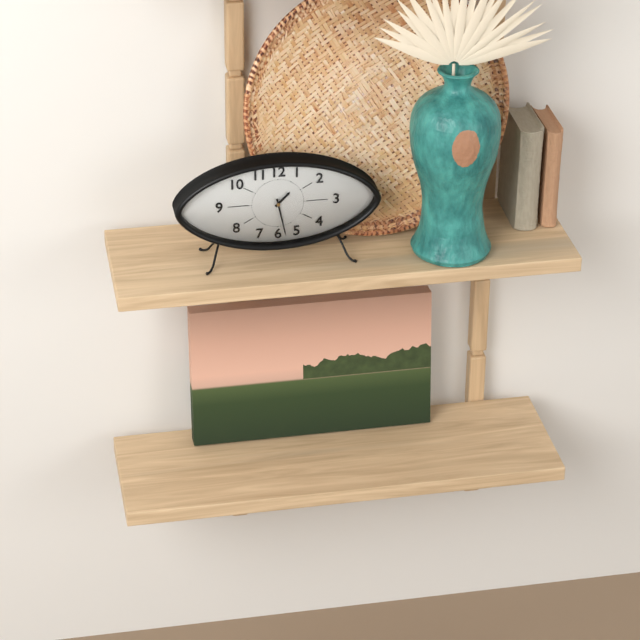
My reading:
1h28
